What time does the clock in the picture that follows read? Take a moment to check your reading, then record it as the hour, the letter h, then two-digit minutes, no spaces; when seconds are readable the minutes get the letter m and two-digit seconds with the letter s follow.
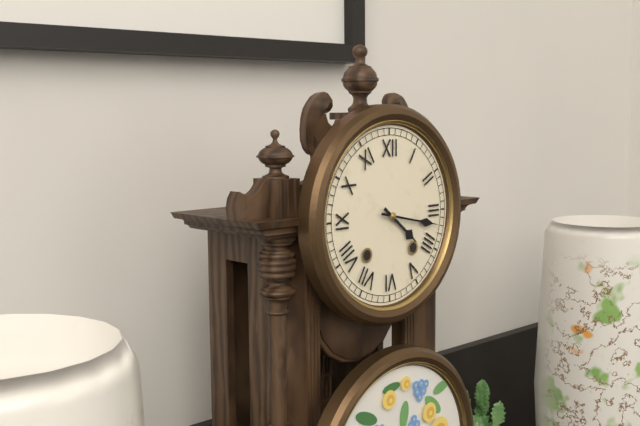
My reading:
4h17
